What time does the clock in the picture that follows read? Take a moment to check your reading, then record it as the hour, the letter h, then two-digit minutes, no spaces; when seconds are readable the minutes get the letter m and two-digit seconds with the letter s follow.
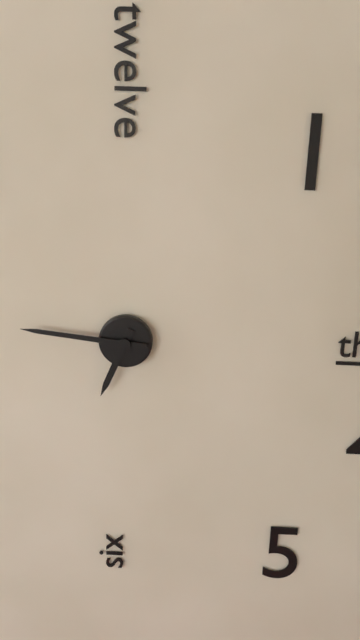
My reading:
6h46
